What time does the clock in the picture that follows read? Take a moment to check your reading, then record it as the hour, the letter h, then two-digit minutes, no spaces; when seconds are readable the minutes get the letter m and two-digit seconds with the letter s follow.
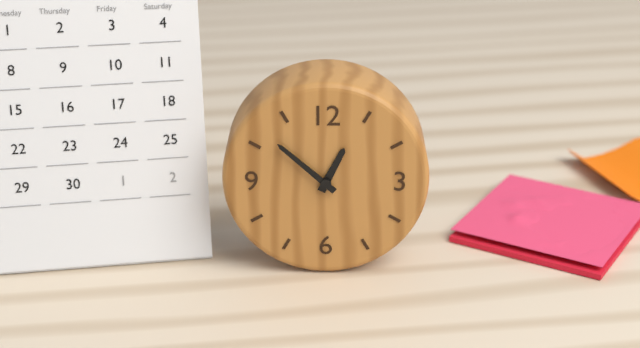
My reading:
12h52
